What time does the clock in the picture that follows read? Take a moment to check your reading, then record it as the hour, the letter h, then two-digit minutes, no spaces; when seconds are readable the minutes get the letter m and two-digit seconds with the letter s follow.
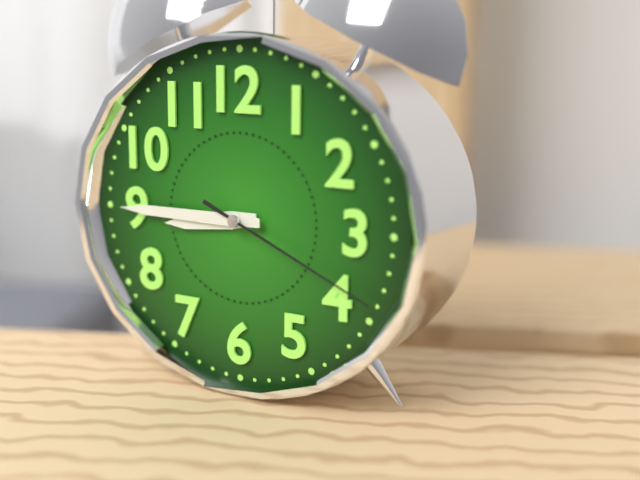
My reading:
8h45m19s
